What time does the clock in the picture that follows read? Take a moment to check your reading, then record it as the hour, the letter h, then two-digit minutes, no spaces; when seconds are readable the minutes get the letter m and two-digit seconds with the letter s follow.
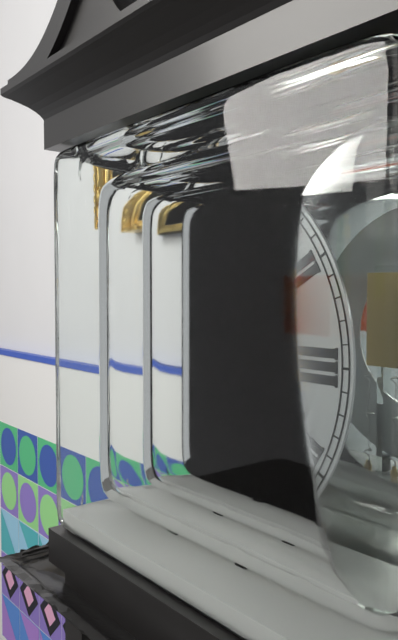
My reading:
6h08
